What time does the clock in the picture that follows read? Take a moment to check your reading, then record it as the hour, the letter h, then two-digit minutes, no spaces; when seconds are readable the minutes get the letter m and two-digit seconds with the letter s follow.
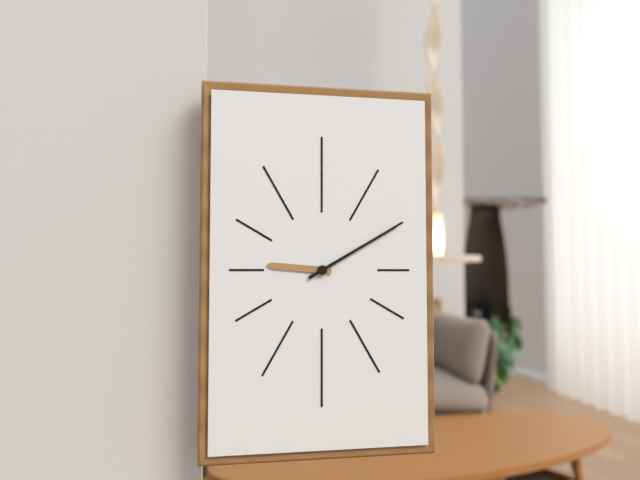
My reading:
9h10
